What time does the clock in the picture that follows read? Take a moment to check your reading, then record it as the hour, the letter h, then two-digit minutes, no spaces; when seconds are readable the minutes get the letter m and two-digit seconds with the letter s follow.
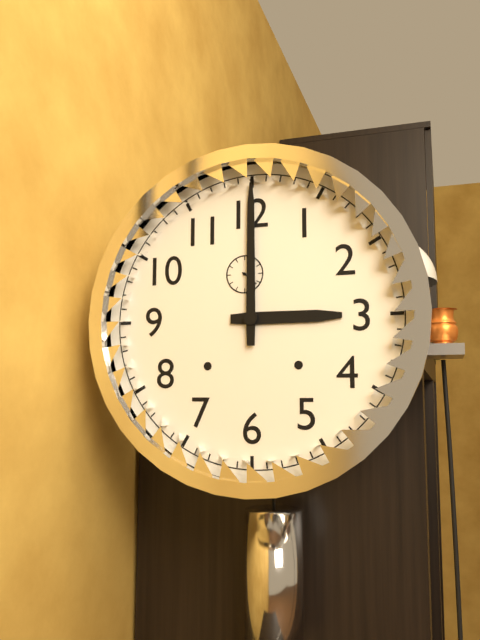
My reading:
3h00
